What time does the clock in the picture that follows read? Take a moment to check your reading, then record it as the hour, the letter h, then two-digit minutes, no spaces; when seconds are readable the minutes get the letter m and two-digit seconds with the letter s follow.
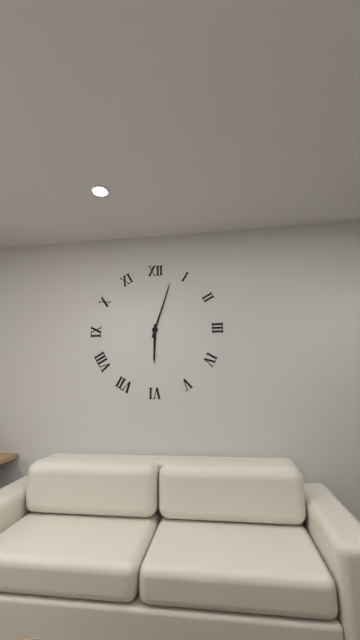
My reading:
6h03
